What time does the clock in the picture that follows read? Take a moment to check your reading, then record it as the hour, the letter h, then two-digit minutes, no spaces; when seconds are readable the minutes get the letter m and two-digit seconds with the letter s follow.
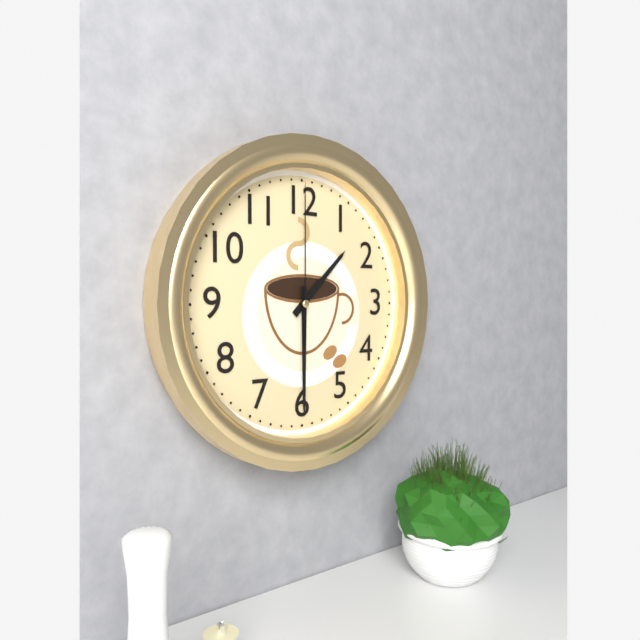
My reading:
1h30m00s
